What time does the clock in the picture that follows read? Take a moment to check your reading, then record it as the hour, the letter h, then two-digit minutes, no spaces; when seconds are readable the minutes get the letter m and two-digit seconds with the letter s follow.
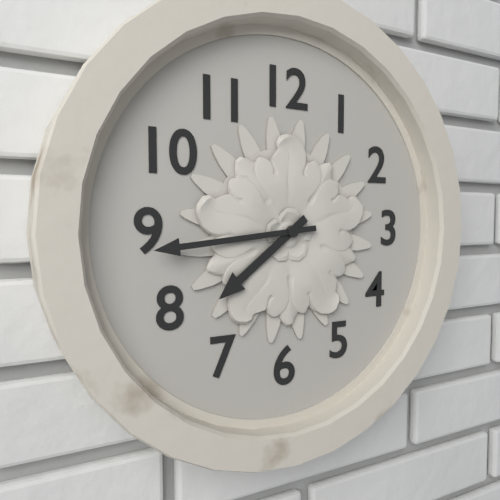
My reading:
7h44
